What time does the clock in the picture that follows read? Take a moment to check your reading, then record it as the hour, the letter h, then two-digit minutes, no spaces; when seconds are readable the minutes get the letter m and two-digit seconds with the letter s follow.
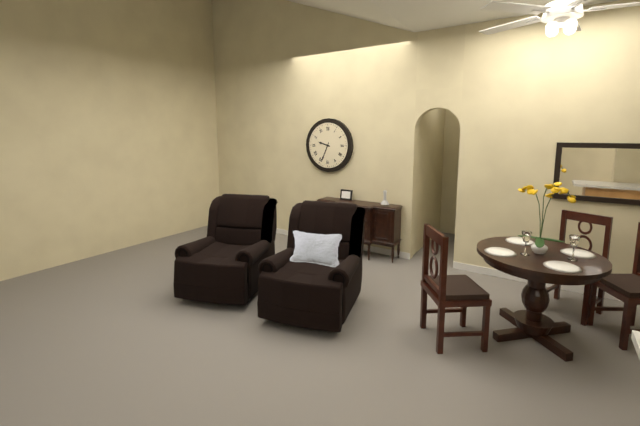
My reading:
9h34
